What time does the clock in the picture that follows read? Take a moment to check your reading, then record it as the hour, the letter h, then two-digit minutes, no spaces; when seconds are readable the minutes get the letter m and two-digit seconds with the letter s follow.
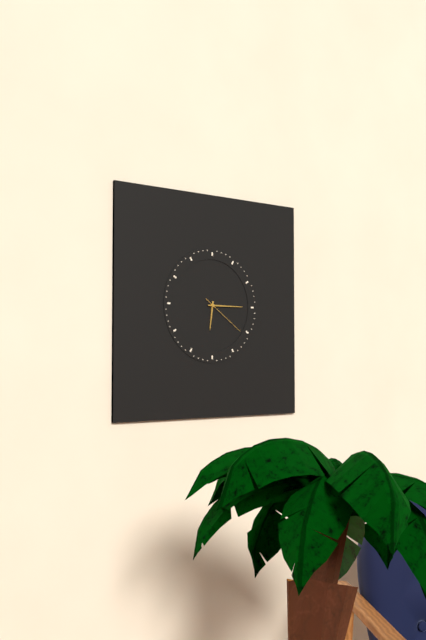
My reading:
6h15
